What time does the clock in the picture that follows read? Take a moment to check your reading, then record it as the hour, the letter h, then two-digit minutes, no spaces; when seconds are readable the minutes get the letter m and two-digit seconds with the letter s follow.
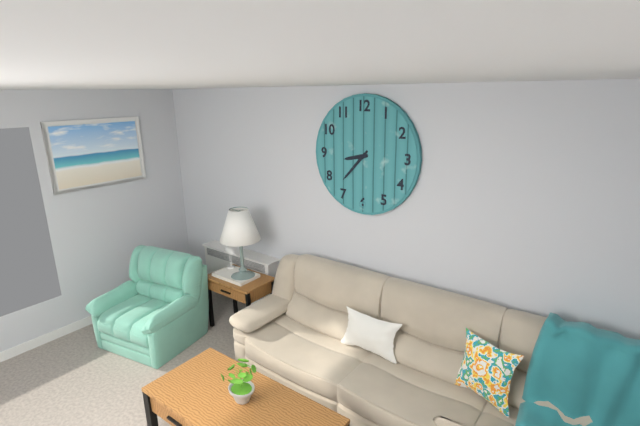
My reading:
8h37
